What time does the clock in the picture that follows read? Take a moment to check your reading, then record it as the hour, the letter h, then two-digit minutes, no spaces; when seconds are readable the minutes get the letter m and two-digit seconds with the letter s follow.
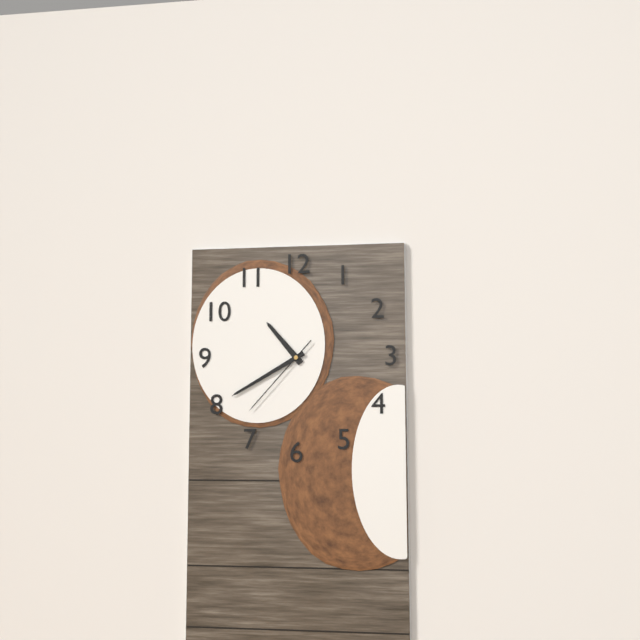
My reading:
10h40m37s
